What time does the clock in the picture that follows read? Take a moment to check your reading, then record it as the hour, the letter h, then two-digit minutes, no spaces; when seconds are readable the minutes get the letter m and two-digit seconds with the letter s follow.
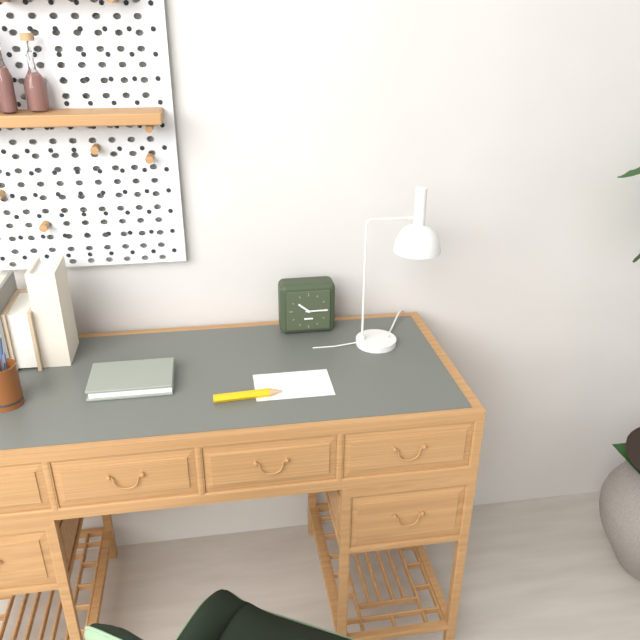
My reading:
10h15
